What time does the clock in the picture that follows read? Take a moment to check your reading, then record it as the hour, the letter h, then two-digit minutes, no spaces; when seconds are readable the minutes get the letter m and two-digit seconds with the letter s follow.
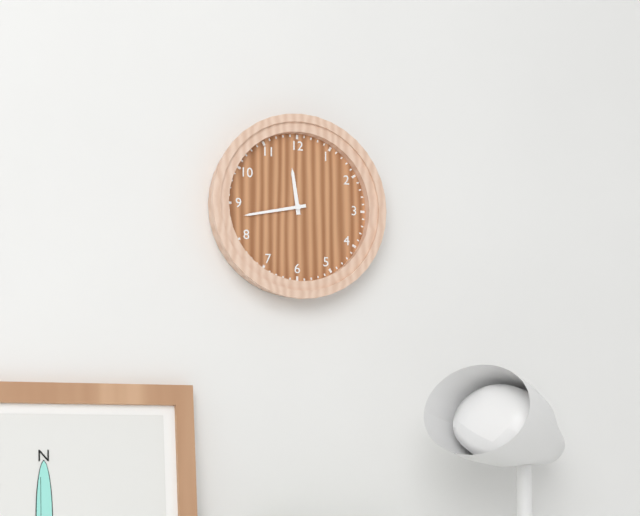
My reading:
11h43
